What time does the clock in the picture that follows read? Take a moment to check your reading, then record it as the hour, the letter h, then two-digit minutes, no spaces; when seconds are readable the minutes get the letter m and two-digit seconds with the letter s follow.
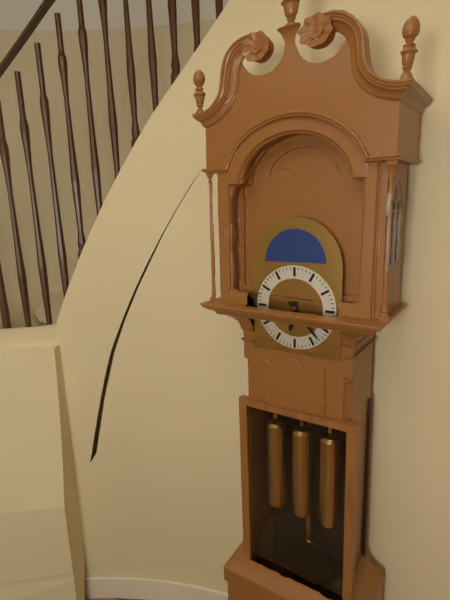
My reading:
6h23
